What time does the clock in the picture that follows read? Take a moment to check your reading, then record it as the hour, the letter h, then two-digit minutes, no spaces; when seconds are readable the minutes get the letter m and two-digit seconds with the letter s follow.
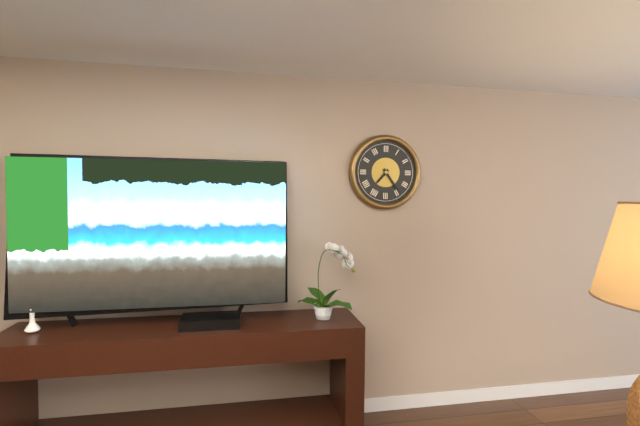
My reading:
7h24
